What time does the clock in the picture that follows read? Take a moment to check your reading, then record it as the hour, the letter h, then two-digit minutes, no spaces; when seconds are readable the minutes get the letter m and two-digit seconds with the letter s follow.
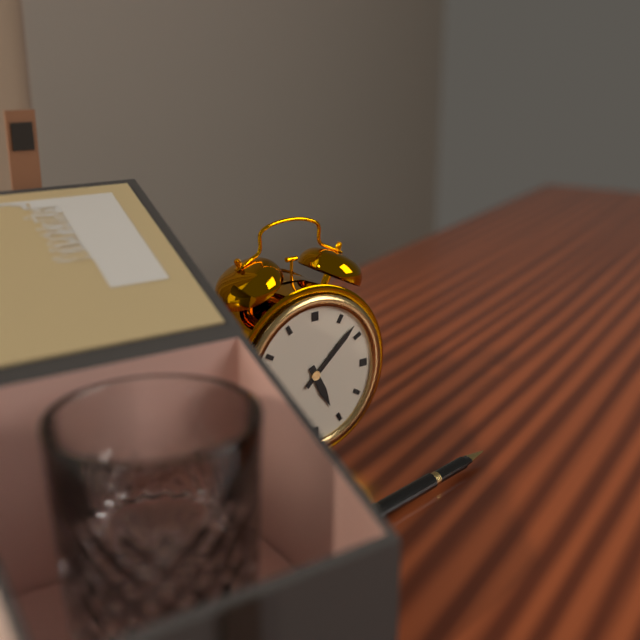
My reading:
5h08
